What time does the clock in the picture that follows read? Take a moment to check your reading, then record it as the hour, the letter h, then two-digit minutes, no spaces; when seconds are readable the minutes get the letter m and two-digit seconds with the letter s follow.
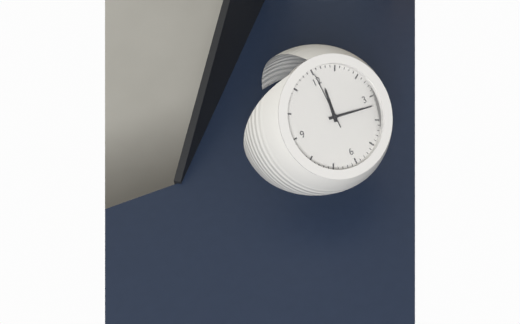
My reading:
12h17m00s
